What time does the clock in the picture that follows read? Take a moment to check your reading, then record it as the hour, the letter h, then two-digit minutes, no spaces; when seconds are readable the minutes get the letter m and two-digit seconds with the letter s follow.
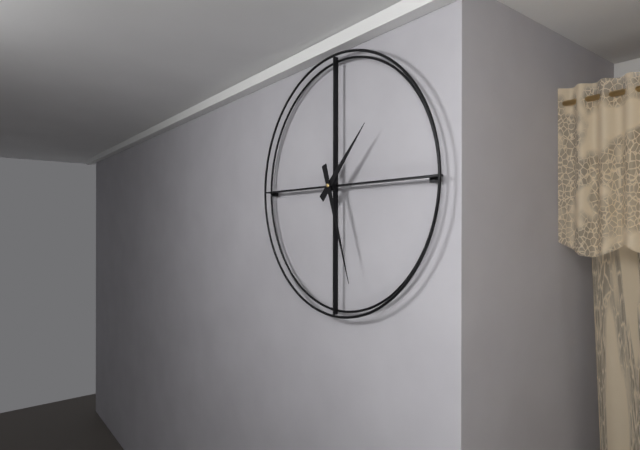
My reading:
1h27
